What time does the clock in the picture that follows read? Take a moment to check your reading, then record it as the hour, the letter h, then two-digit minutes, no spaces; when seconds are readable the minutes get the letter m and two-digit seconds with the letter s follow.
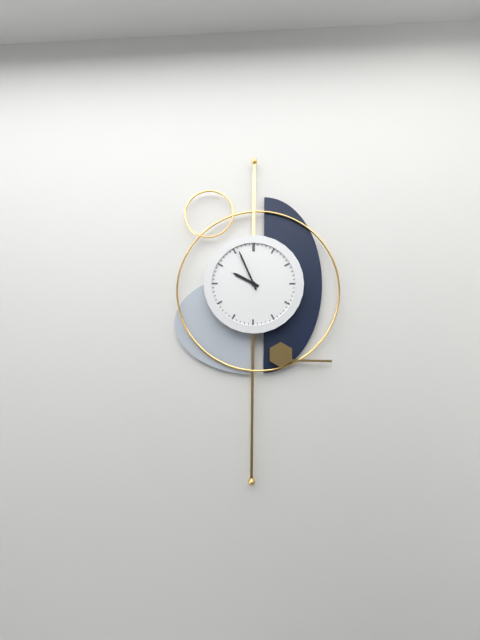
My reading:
9h56
